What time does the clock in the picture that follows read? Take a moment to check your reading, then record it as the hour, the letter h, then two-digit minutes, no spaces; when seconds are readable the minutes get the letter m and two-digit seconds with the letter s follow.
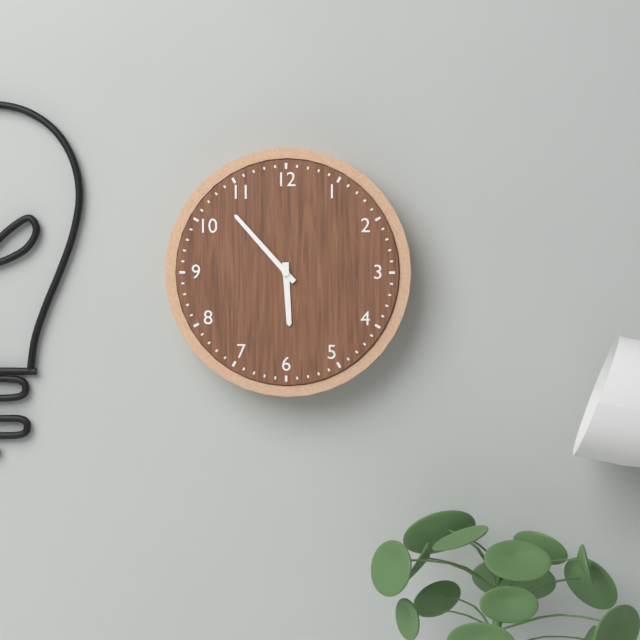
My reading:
5h53
